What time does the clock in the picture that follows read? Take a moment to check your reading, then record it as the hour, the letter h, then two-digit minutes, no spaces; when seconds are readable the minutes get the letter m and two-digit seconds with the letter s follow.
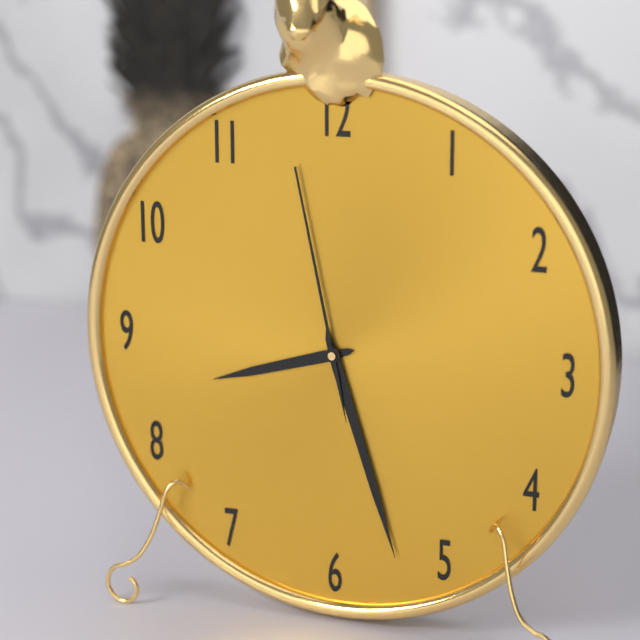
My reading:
8h27m58s
